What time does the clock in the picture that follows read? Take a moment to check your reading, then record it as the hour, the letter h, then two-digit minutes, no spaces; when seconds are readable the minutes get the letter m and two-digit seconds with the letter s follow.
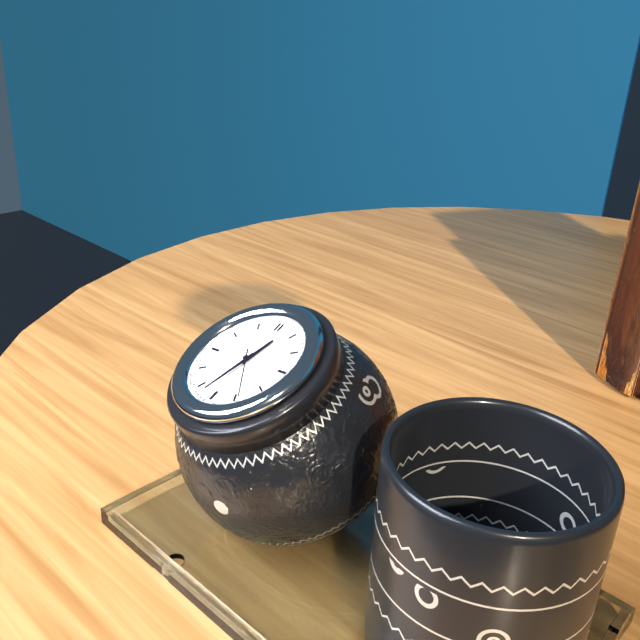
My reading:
12h33
